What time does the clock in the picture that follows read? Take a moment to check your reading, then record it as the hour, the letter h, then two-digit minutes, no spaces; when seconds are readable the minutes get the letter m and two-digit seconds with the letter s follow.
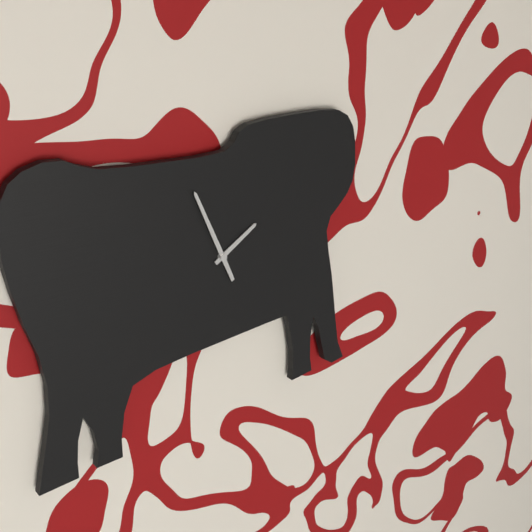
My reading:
1h56
